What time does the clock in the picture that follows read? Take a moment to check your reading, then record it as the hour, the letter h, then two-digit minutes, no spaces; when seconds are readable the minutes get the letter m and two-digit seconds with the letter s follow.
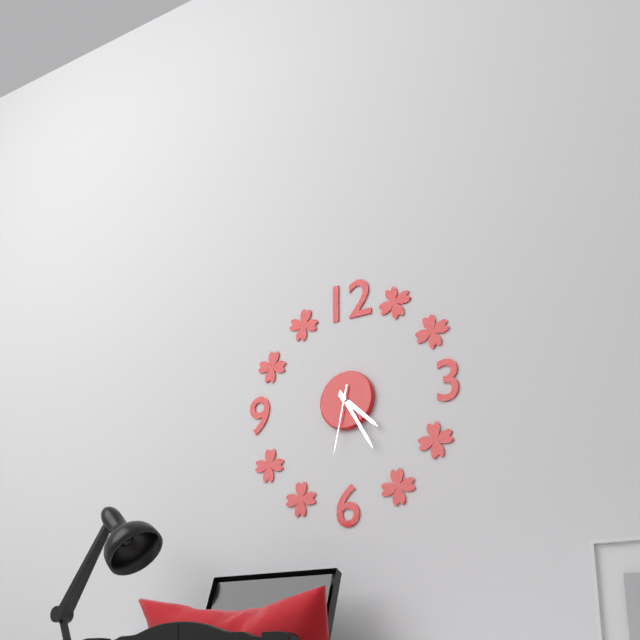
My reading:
4h25m32s
